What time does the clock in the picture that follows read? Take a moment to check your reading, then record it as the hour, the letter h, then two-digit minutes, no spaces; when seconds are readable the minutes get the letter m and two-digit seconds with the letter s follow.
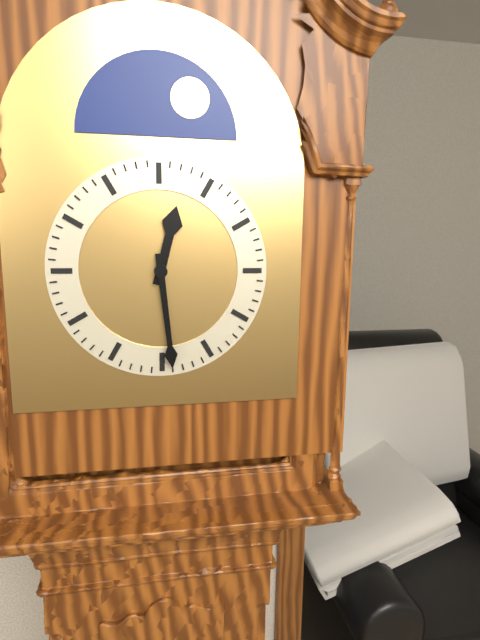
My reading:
12h29
